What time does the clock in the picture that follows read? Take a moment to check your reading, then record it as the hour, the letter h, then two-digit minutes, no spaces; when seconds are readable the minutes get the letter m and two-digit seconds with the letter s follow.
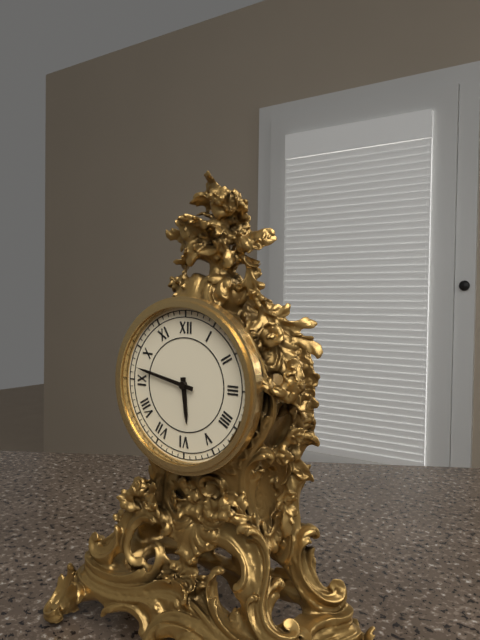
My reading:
5h47
